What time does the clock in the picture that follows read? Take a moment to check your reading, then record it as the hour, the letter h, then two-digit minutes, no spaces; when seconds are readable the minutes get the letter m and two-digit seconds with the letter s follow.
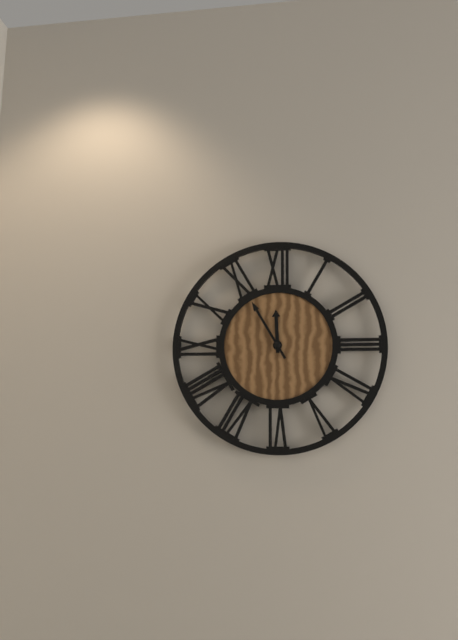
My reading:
11h55
